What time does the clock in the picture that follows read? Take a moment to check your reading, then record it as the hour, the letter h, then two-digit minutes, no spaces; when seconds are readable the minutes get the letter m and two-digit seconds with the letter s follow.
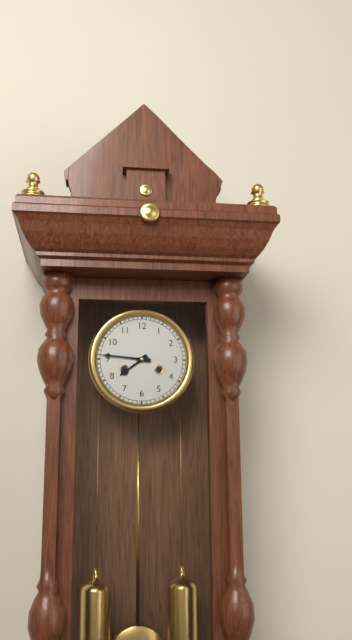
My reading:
7h46
